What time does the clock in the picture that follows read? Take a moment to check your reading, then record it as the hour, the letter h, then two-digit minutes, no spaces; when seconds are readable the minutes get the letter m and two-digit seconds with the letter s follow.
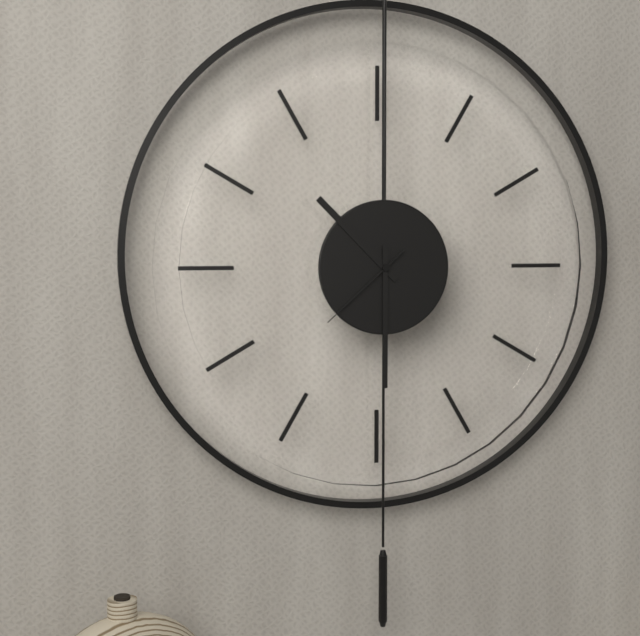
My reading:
10h30m38s
